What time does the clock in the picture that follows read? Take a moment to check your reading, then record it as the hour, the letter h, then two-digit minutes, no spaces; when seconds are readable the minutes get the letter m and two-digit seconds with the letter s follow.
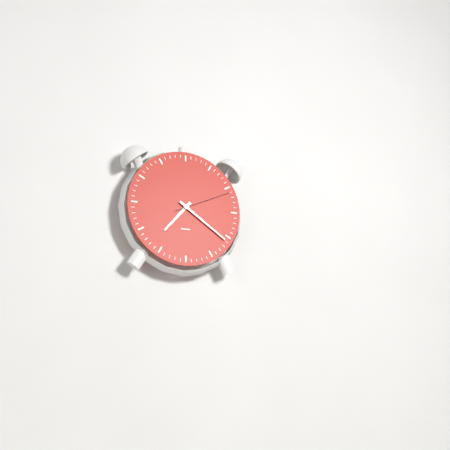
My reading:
7h21m11s
